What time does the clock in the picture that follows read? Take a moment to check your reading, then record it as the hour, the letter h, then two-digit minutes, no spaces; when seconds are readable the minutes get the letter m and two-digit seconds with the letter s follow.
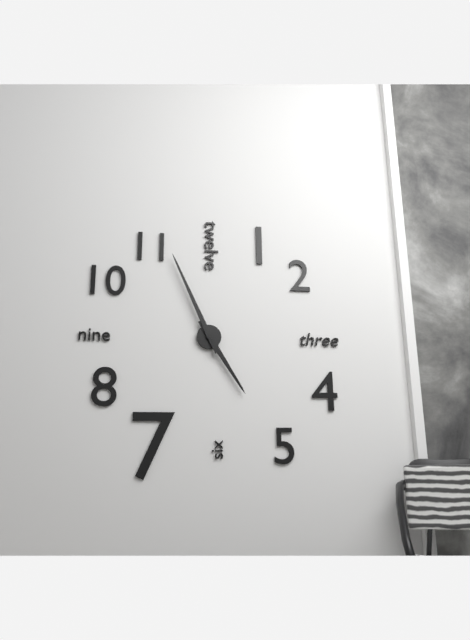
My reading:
4h56
